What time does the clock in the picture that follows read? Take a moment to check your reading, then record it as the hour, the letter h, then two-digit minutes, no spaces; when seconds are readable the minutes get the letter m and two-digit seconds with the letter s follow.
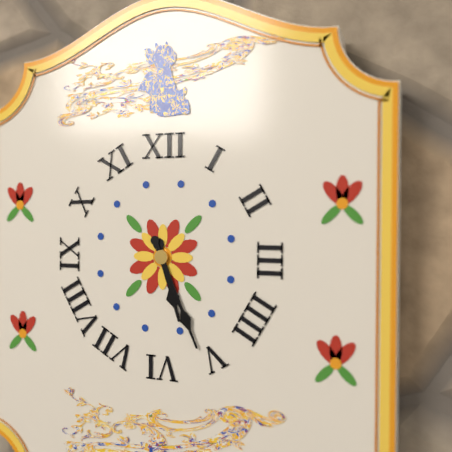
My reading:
5h26
